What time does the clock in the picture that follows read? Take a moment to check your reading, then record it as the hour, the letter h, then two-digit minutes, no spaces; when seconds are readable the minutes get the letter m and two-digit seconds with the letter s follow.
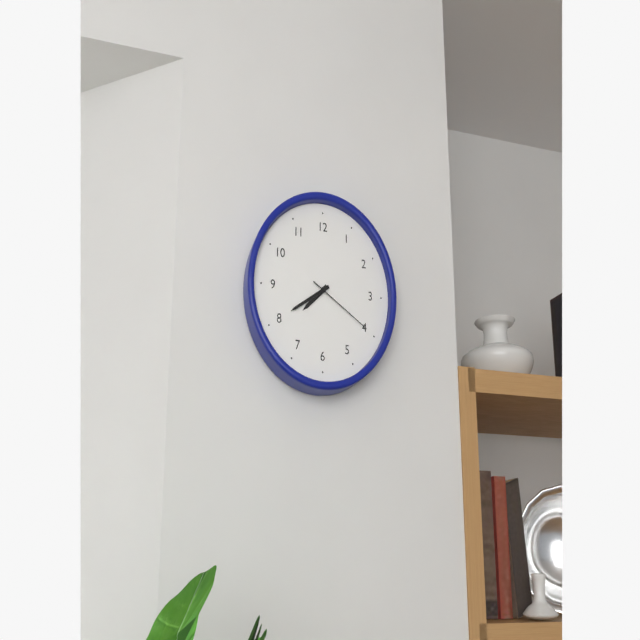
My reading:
7h40m20s
